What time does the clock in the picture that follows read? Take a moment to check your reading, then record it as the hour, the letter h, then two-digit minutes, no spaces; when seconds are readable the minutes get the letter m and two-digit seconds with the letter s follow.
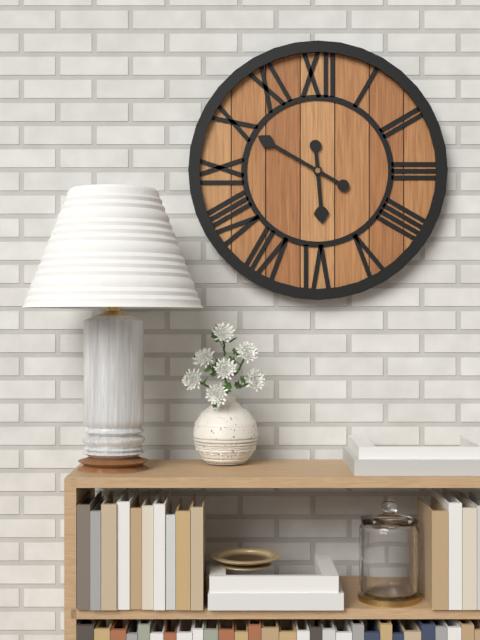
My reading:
5h50
